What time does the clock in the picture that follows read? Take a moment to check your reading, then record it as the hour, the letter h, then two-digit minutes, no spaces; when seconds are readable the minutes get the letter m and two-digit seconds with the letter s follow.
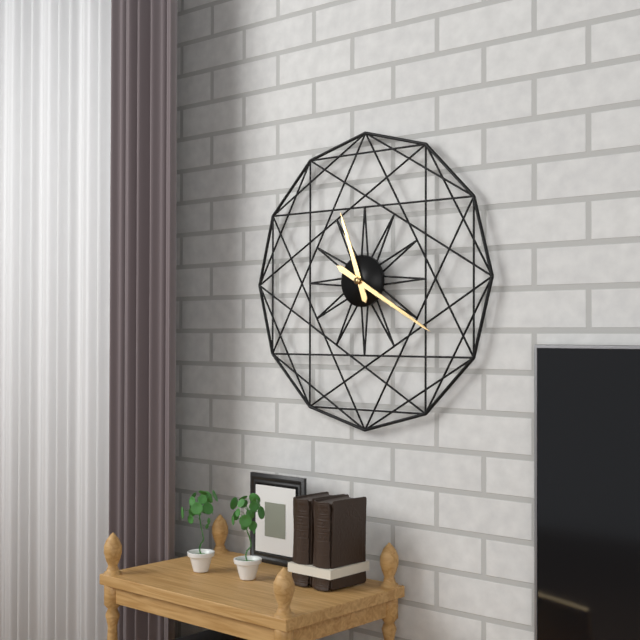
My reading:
11h20
